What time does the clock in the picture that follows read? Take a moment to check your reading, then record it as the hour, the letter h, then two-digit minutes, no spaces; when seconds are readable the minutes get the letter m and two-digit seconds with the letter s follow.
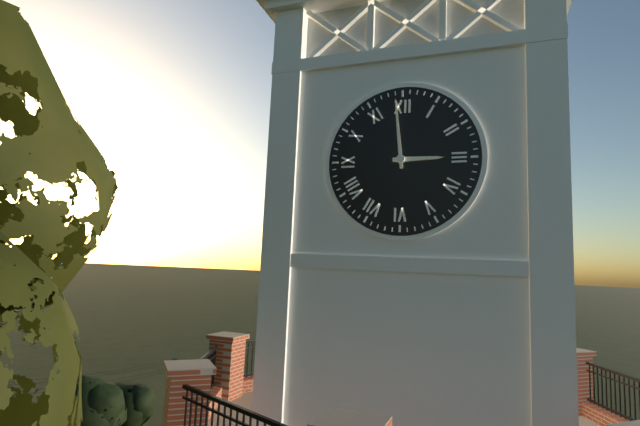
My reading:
2h59
